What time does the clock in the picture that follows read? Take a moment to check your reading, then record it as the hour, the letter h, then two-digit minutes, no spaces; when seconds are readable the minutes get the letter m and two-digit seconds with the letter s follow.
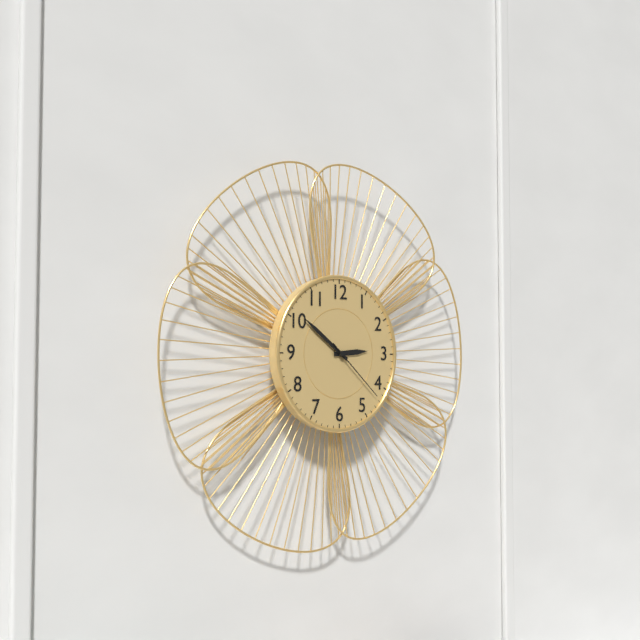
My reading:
2h51m22s
